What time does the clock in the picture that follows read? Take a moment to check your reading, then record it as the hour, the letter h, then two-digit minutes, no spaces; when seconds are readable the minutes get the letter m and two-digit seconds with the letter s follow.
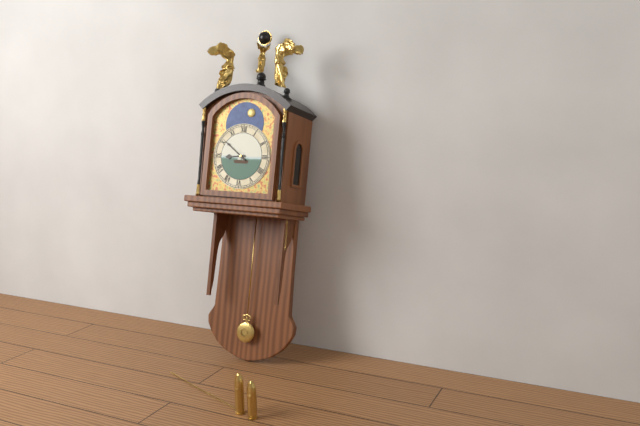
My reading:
8h51
